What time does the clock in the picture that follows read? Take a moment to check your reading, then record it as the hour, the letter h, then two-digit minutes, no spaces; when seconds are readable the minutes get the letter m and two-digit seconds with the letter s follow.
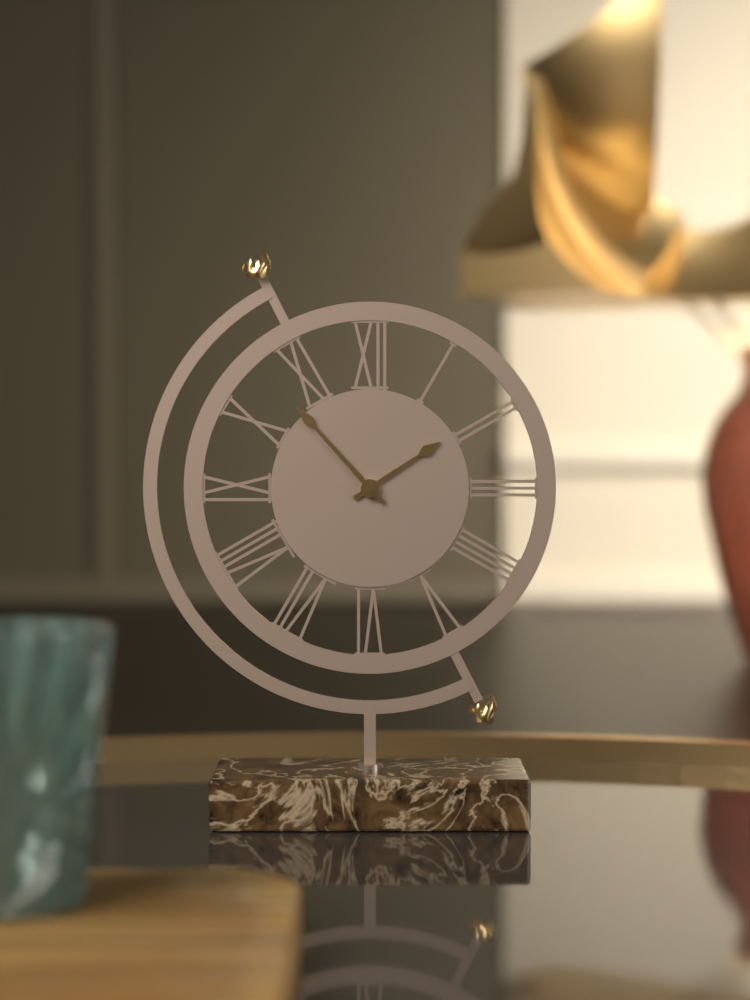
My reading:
1h53
